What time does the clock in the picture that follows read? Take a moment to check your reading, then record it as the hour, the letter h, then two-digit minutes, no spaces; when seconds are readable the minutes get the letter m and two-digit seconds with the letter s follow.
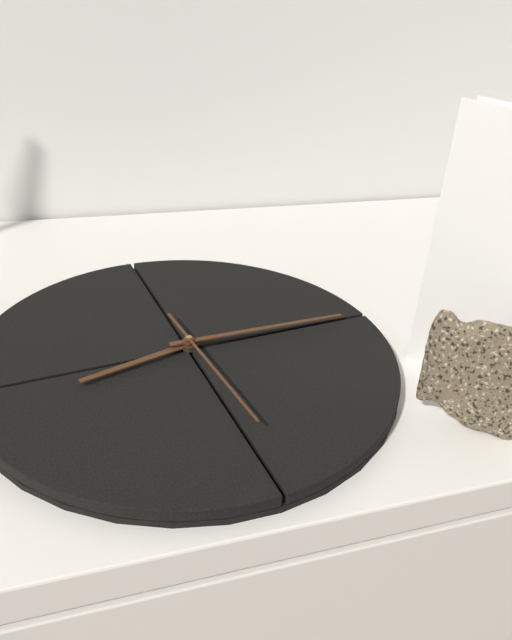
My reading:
9h19m33s
